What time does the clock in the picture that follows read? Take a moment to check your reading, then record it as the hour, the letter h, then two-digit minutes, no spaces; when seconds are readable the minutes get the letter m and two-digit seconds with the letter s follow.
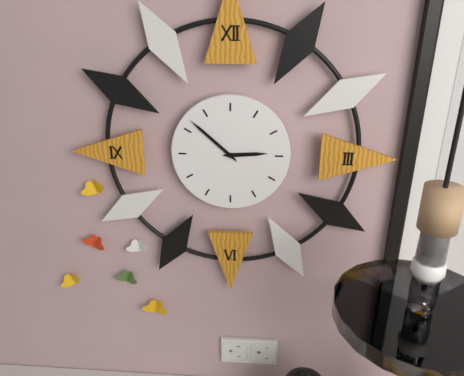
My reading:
2h52
